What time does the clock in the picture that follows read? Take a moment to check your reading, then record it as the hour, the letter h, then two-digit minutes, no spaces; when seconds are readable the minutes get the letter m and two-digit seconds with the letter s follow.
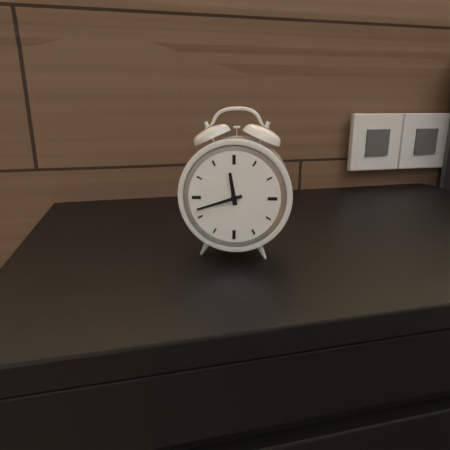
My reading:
11h42
